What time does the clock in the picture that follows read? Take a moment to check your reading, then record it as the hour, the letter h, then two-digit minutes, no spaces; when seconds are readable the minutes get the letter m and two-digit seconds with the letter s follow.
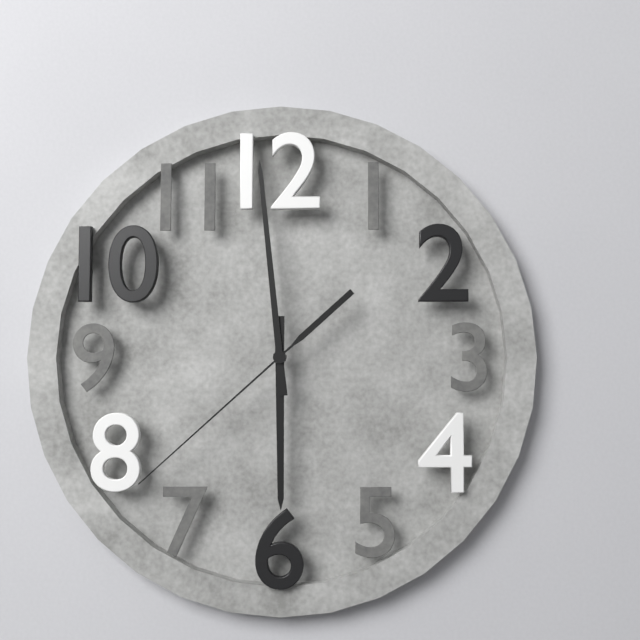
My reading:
5h59m38s
